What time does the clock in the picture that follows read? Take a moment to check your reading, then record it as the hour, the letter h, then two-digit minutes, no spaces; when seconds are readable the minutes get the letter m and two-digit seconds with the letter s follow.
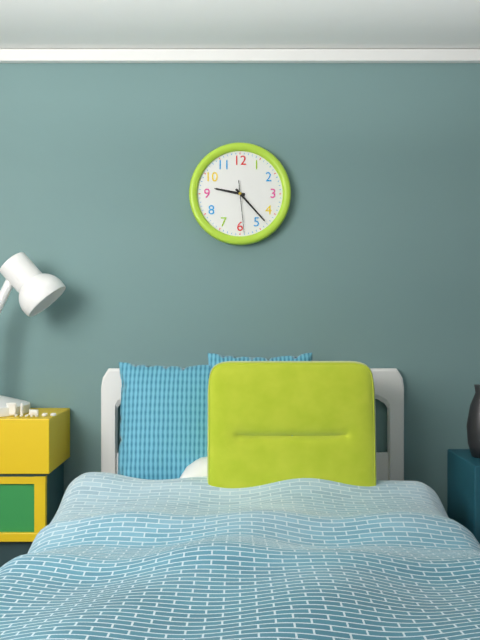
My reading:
9h23m29s
